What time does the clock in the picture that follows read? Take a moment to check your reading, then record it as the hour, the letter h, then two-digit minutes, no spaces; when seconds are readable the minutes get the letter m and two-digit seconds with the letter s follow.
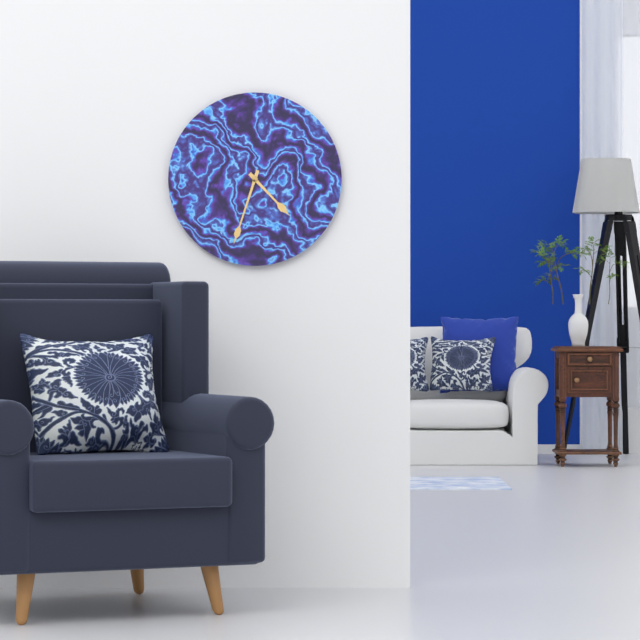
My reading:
4h33
